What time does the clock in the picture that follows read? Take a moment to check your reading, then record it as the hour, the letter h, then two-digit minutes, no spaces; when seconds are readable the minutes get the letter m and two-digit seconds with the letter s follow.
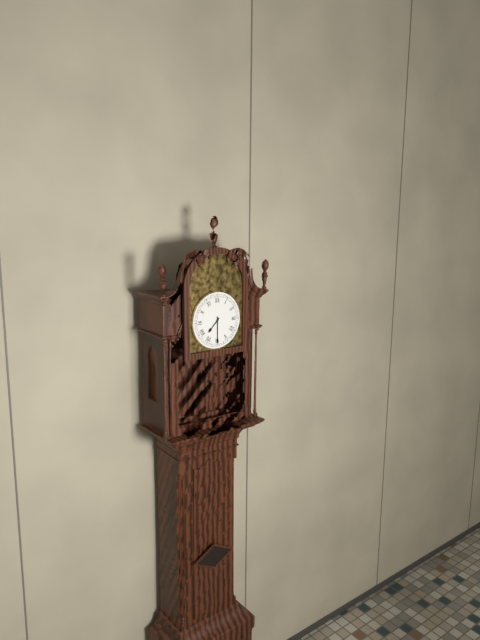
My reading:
7h30
